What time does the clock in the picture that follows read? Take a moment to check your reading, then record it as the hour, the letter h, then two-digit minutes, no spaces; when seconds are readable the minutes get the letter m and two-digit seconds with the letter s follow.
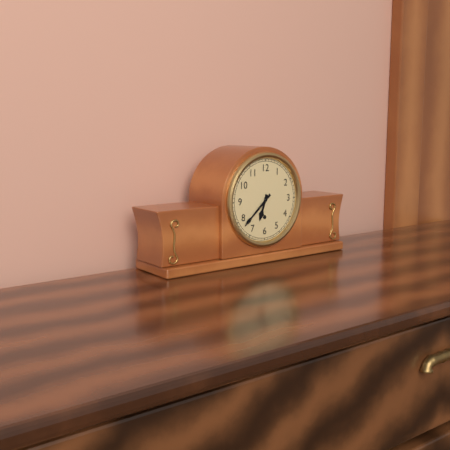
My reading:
6h38
